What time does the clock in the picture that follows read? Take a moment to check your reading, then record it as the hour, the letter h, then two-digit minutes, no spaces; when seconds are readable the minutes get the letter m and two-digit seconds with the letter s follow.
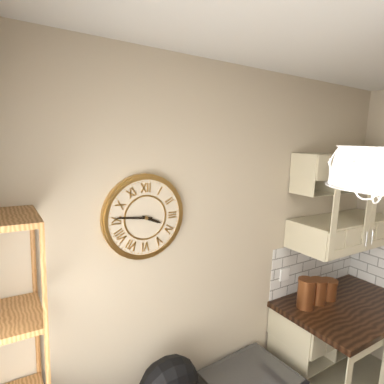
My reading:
3h46
